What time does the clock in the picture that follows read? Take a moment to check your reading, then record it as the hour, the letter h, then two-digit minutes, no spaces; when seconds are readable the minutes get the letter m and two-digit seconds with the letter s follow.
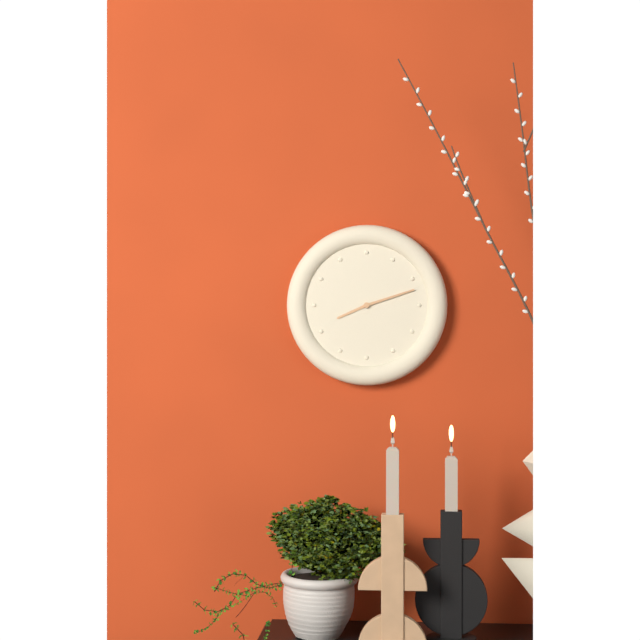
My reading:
8h12
